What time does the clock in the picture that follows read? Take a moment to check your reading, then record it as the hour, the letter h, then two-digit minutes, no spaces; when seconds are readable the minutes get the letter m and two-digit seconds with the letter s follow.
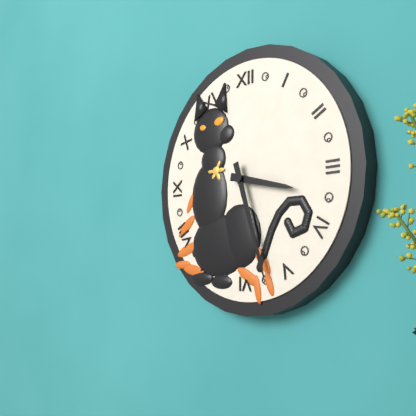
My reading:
3h27
